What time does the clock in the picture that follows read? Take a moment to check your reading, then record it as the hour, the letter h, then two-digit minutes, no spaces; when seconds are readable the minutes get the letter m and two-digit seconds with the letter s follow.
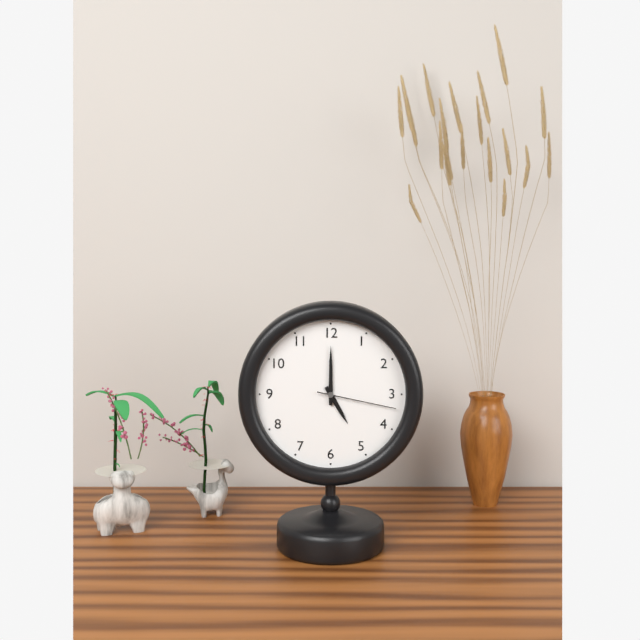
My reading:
5h00m17s
